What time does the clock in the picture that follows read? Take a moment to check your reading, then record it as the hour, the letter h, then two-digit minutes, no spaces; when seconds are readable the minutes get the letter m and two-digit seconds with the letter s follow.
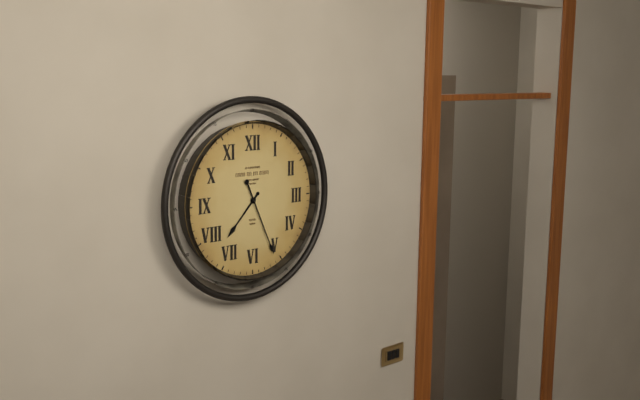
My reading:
7h26
